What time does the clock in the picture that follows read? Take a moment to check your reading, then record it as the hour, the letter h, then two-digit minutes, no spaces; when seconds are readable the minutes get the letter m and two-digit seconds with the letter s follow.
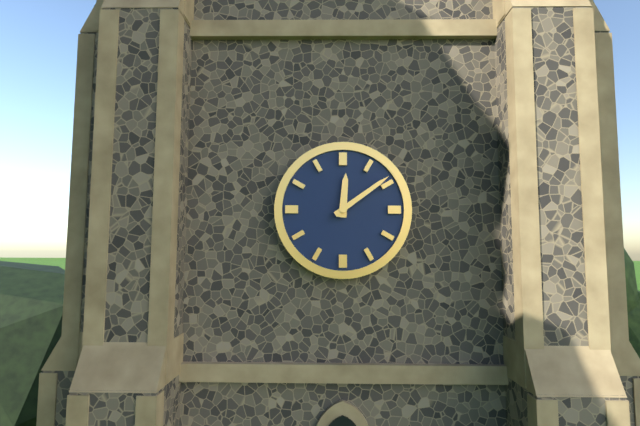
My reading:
12h09
